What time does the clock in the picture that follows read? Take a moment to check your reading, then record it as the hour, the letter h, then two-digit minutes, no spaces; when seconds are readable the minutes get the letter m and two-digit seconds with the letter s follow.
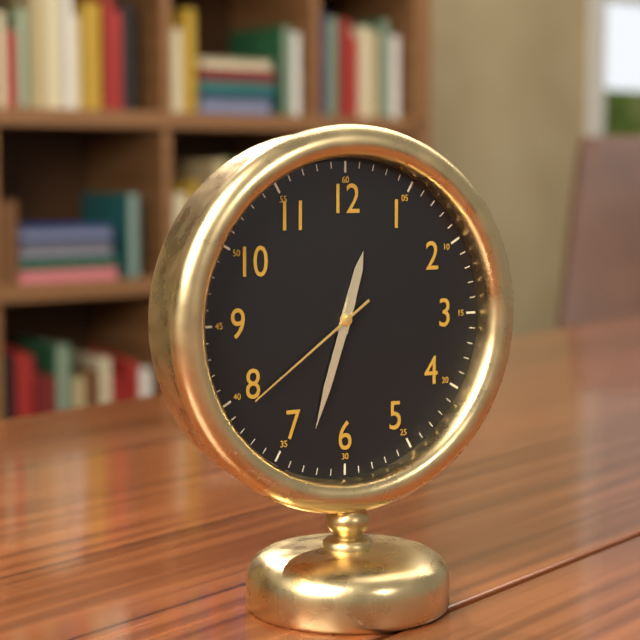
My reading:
12h33m39s
